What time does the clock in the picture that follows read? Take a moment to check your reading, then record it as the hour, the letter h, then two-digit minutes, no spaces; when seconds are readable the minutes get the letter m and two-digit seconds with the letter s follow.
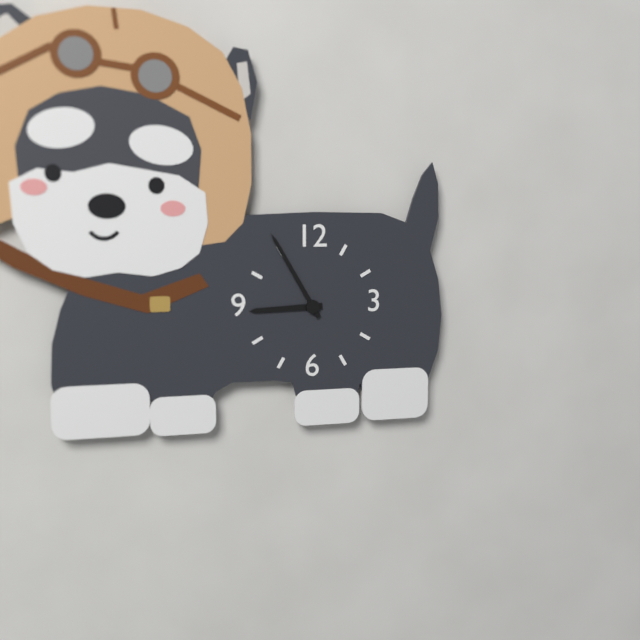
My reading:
8h55
